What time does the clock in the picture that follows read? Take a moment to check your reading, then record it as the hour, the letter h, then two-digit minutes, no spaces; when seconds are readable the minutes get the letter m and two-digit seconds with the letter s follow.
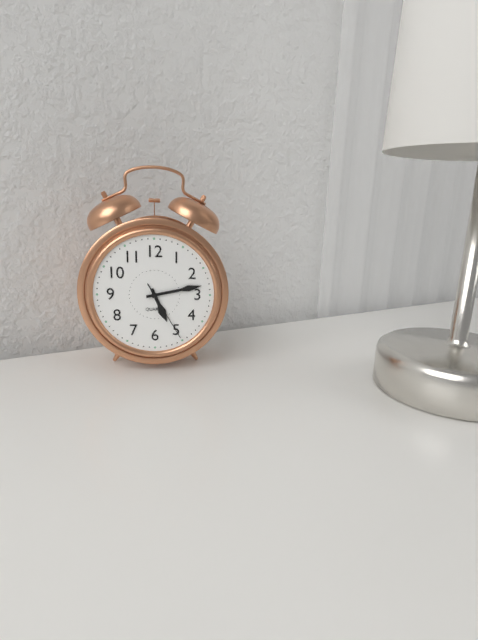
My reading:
5h13m25s
